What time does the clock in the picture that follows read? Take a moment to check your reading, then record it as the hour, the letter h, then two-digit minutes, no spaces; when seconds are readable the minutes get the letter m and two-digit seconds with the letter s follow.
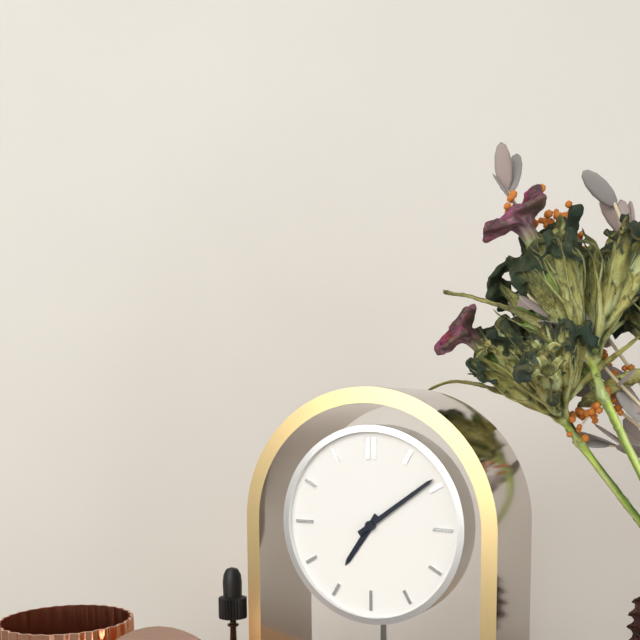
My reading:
7h09
